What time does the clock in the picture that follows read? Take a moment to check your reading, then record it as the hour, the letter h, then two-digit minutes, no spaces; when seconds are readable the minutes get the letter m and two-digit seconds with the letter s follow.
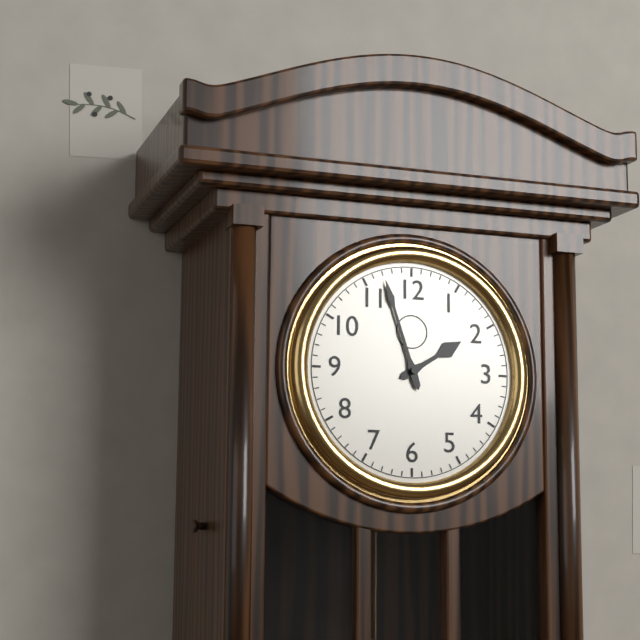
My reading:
1h57
